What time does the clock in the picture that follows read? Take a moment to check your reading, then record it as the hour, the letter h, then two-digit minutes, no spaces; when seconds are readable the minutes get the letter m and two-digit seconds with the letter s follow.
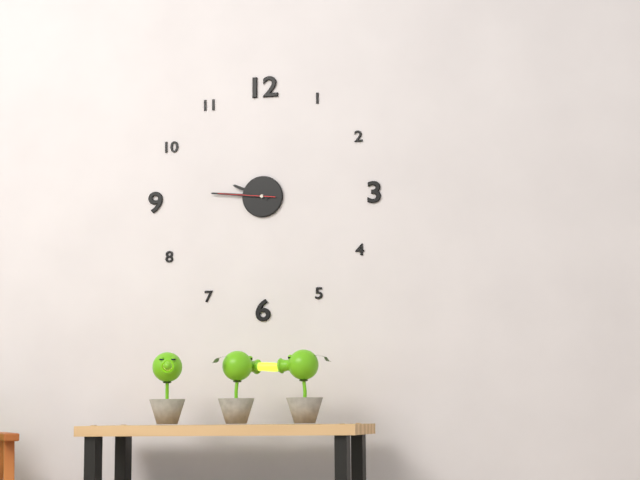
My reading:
9h46m46s
